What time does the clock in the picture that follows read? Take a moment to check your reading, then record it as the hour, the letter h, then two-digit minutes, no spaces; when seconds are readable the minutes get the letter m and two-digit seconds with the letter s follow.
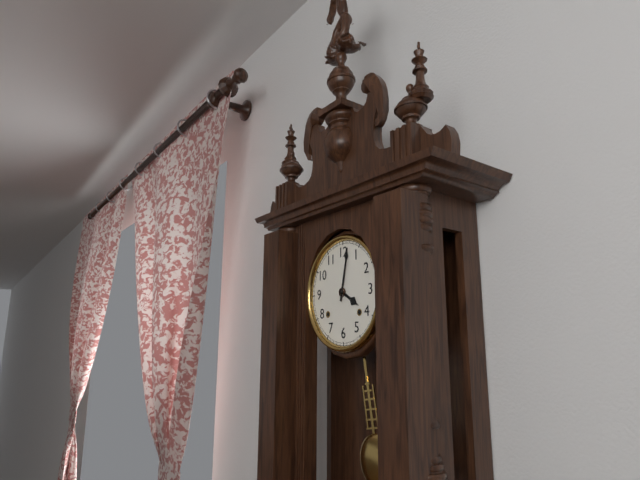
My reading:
4h02
